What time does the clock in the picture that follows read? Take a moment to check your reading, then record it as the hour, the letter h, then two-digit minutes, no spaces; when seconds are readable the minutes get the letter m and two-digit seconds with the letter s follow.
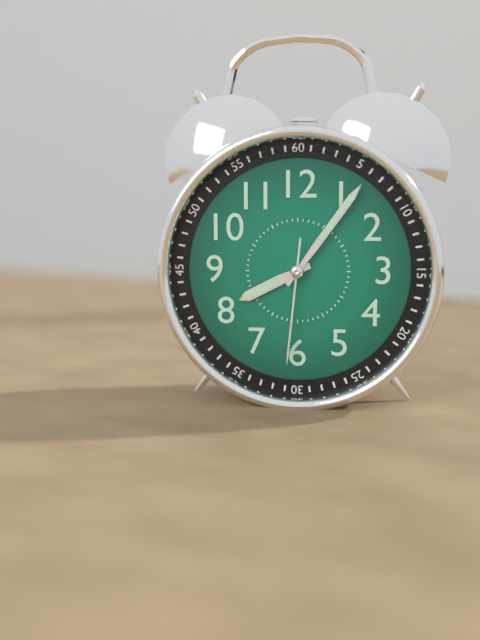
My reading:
8h06m31s
